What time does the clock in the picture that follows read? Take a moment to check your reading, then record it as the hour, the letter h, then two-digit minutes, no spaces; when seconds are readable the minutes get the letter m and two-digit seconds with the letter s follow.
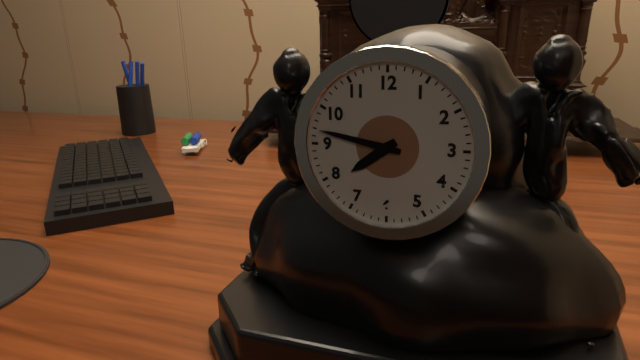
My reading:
7h47
